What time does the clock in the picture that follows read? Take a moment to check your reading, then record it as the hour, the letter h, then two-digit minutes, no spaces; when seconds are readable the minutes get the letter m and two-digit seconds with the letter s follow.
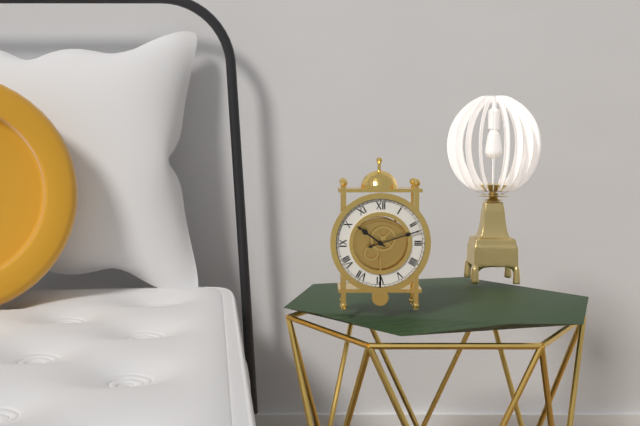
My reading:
10h12
